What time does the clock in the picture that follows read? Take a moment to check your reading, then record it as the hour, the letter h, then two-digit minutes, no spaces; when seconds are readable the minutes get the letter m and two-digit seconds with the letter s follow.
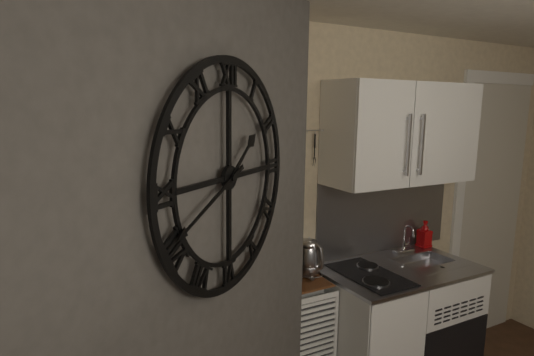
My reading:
1h41
